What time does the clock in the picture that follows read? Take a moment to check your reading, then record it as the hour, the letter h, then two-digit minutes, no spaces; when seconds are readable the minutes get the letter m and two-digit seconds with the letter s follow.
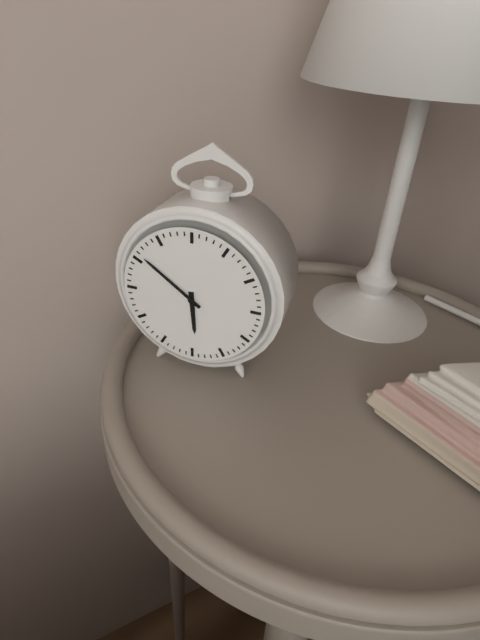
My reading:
5h51
